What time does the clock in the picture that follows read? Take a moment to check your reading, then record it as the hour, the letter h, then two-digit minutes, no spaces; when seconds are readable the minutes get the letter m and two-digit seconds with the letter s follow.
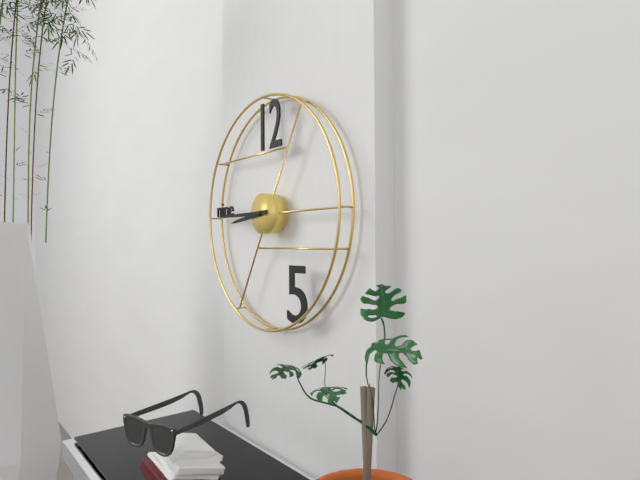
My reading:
8h45
